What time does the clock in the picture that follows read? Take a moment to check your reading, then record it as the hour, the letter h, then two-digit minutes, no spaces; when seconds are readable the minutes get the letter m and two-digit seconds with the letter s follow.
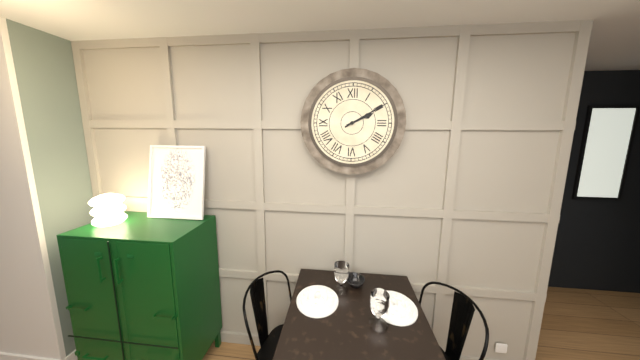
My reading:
2h10
